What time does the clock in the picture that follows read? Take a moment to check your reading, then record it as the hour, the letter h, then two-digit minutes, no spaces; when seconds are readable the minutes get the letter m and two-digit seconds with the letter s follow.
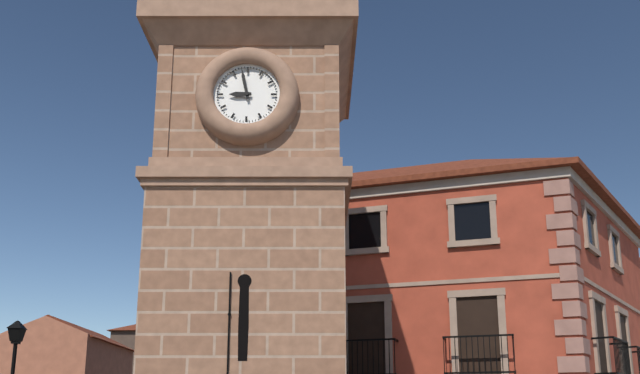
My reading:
8h58
